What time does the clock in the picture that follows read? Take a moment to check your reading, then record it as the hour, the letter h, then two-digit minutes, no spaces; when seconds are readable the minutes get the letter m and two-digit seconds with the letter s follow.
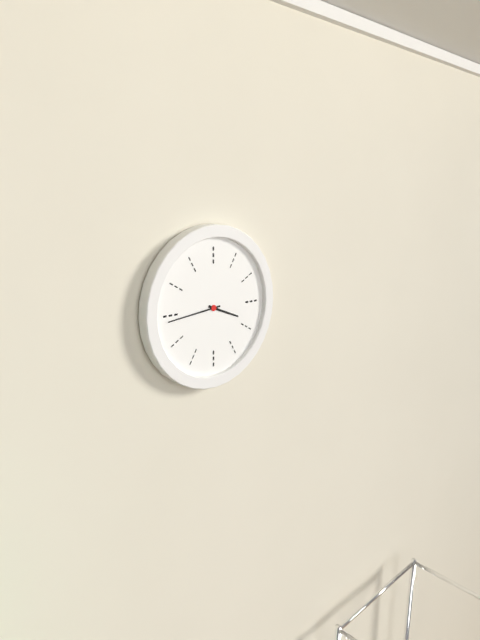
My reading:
3h44
